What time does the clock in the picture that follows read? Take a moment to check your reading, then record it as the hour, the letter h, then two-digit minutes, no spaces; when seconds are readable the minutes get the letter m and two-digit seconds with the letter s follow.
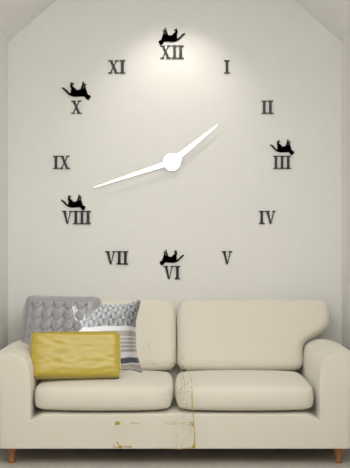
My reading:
1h42
